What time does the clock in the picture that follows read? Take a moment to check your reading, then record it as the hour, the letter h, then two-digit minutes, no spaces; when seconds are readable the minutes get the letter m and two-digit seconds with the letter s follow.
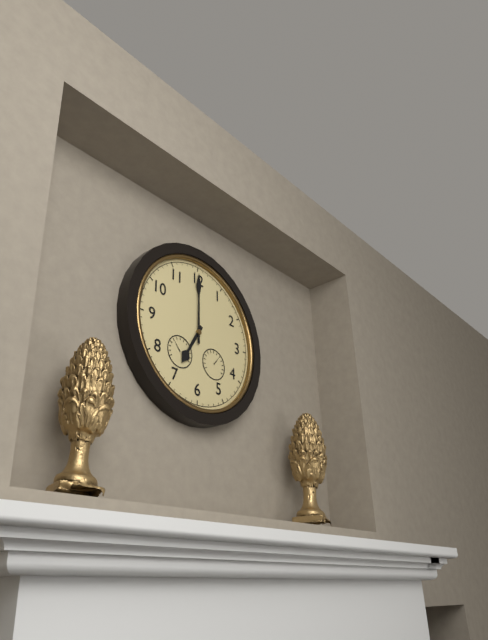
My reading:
7h00
